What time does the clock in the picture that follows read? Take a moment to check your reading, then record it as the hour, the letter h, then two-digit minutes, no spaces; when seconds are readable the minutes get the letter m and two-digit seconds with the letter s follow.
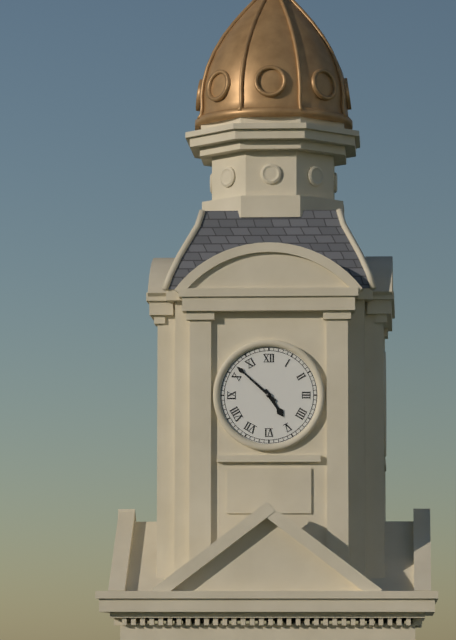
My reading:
4h52
